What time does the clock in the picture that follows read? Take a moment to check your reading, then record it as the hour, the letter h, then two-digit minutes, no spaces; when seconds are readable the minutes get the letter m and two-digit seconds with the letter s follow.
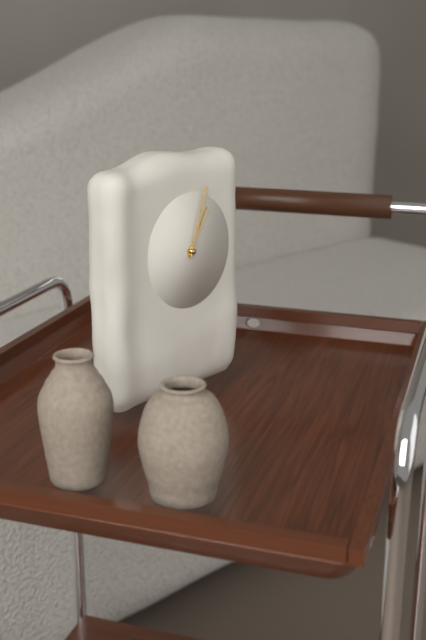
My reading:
1h03
